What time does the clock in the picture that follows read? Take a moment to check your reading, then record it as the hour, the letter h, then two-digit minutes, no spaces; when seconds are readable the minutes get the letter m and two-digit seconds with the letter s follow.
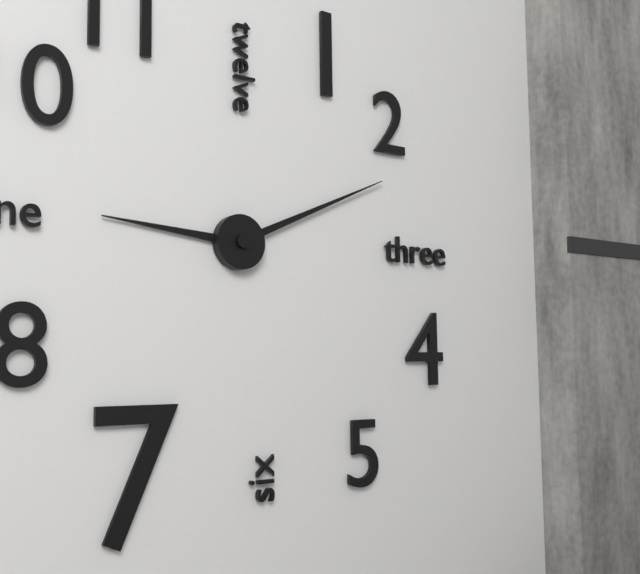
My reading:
9h11
